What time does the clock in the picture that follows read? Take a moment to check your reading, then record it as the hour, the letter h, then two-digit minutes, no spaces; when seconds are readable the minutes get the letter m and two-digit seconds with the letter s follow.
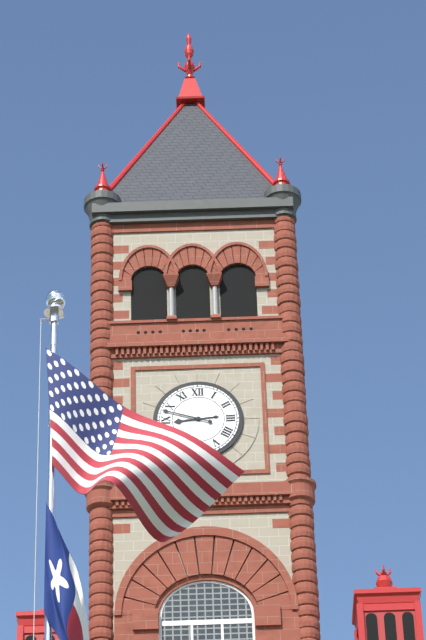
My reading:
8h48
